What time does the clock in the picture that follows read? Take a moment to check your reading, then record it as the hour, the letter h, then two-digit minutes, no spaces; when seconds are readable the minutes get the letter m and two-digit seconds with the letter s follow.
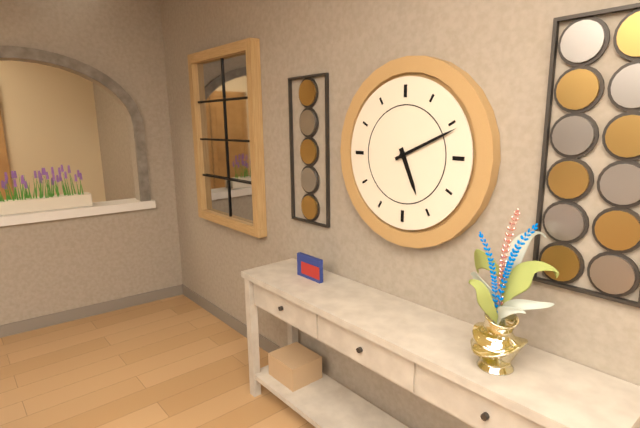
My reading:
5h11
